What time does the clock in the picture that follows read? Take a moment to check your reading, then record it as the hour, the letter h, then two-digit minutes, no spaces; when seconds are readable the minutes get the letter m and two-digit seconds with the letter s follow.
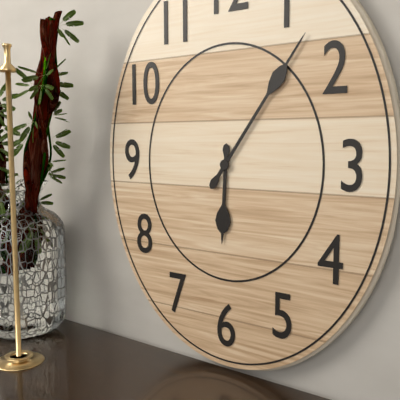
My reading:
6h06
